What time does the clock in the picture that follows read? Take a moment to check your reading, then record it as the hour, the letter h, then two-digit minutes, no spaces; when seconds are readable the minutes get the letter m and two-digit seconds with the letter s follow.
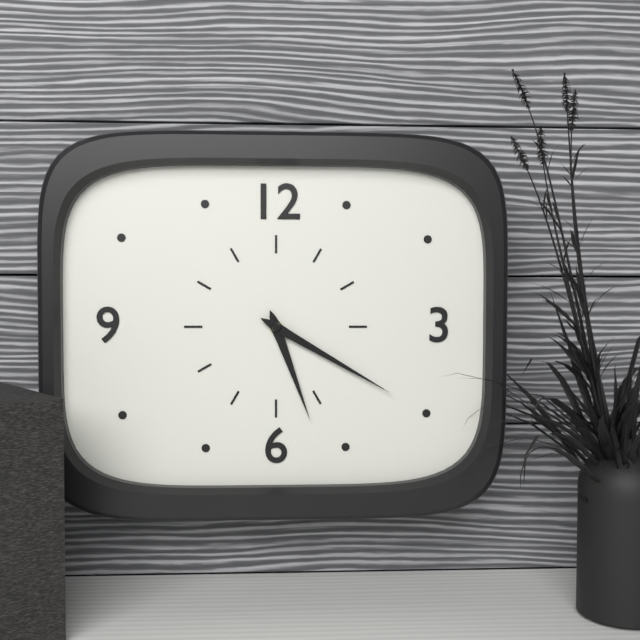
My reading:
5h20
